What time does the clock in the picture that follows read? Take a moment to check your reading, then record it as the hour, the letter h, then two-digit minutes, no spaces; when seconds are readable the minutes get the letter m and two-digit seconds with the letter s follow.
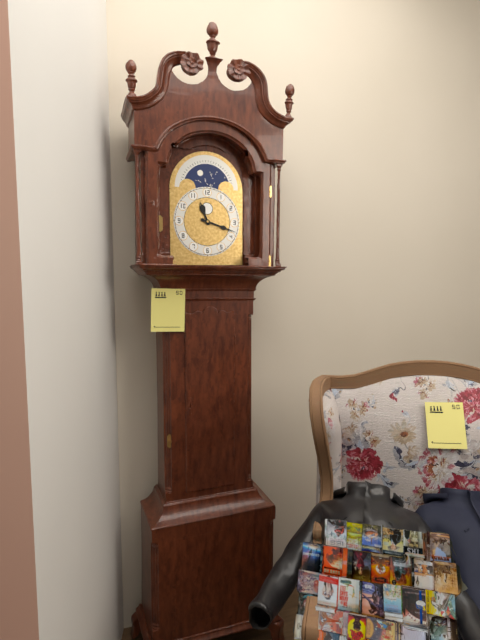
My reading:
11h18
